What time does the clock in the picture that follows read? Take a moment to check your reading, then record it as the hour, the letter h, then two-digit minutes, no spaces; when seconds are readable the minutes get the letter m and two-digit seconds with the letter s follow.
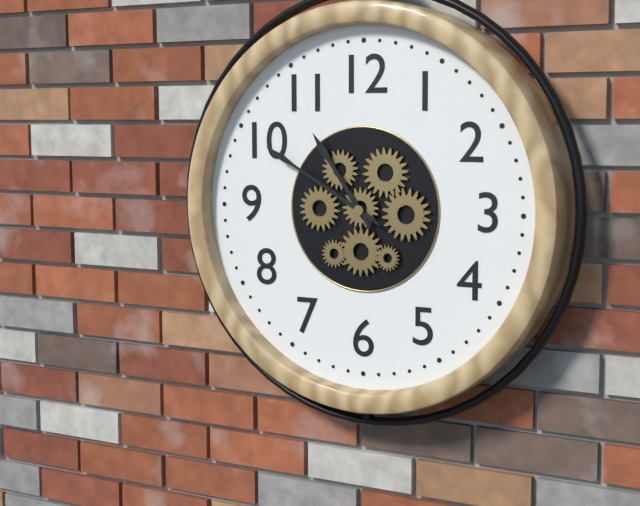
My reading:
10h50
